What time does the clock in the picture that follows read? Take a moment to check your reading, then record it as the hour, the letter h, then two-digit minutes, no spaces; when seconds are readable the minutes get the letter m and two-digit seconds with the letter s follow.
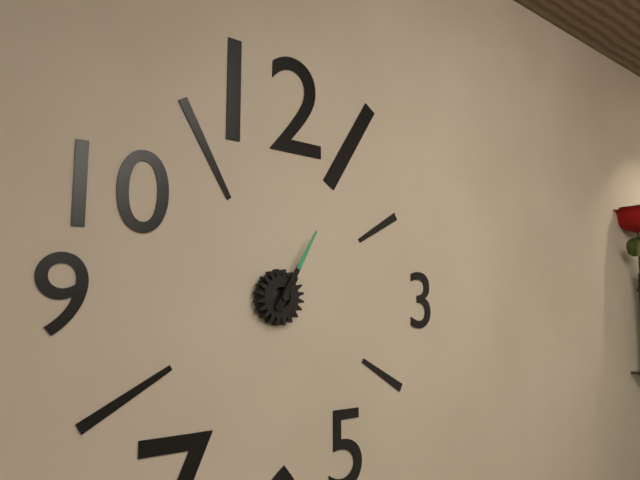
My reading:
1h05
